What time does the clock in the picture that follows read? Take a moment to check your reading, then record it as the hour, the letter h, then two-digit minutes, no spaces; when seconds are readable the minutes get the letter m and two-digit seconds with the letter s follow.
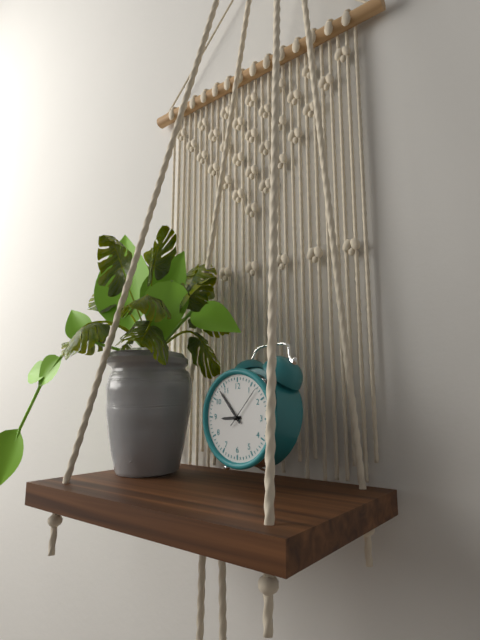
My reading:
8h53
